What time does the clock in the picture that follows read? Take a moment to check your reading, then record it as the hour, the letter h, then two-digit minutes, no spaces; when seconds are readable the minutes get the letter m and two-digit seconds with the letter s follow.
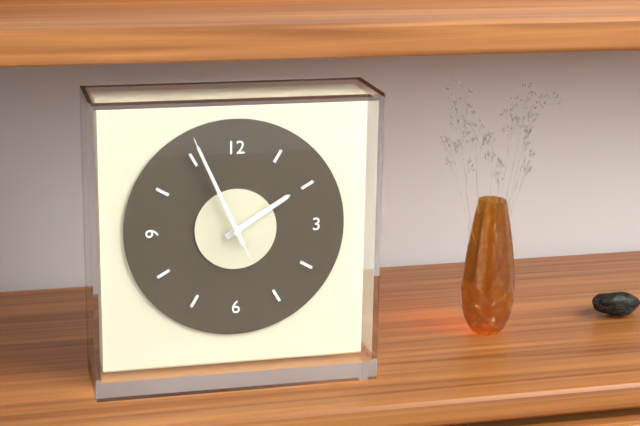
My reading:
1h56m56s
